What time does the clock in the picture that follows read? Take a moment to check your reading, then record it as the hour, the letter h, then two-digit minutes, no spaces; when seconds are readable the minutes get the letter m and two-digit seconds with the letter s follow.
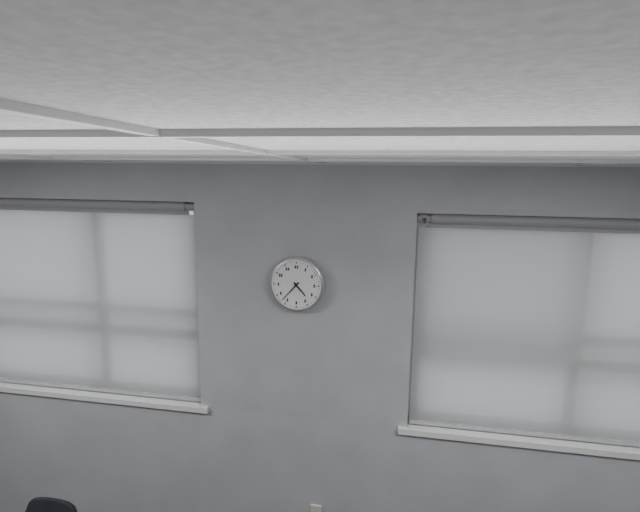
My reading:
4h37
